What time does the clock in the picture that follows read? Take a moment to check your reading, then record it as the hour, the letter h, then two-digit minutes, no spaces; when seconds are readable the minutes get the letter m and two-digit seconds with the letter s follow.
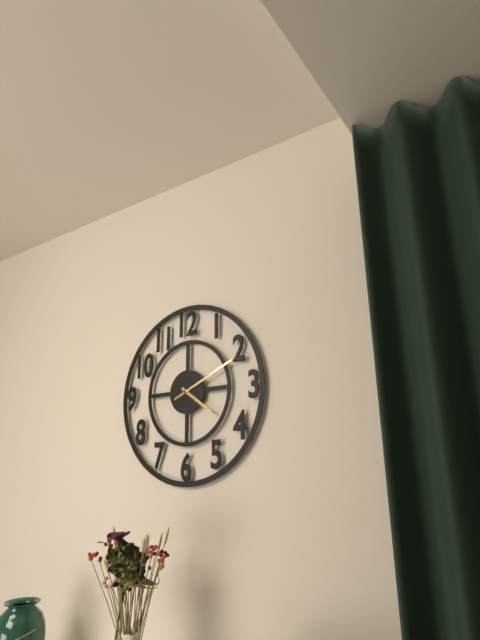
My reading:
4h11
